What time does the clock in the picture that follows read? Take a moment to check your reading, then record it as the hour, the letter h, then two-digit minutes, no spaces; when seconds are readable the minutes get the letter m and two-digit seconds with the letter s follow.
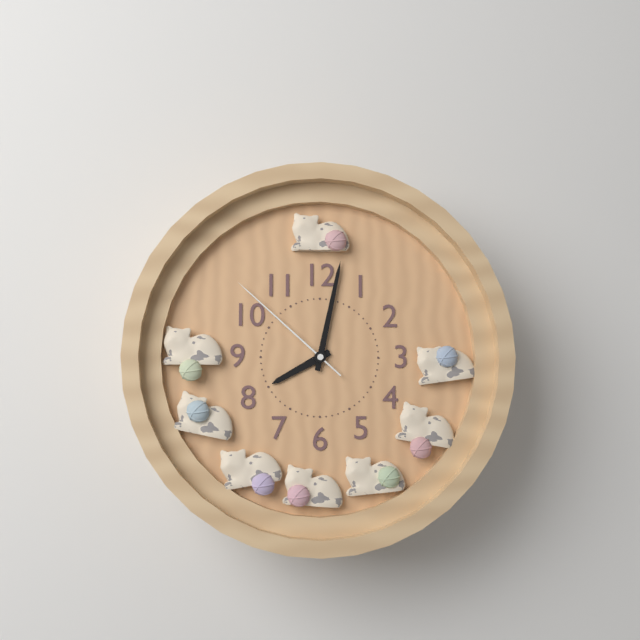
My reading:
8h02m52s
